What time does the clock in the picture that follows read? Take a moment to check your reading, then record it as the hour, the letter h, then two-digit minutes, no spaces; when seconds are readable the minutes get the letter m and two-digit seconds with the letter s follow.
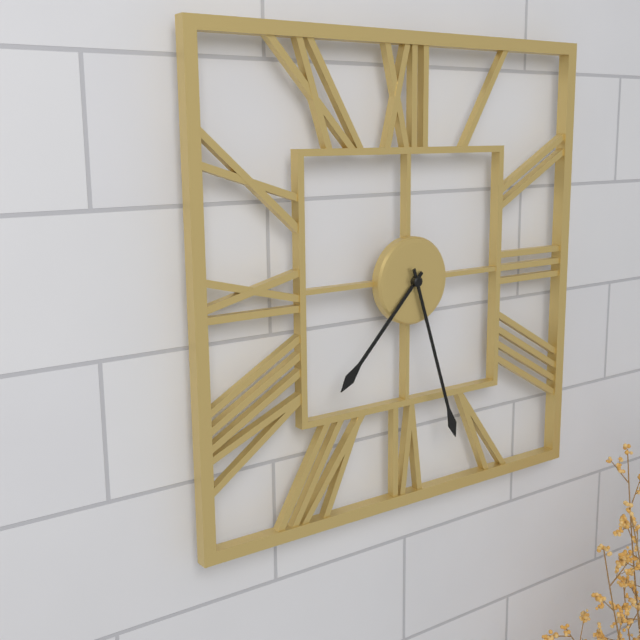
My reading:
7h27
